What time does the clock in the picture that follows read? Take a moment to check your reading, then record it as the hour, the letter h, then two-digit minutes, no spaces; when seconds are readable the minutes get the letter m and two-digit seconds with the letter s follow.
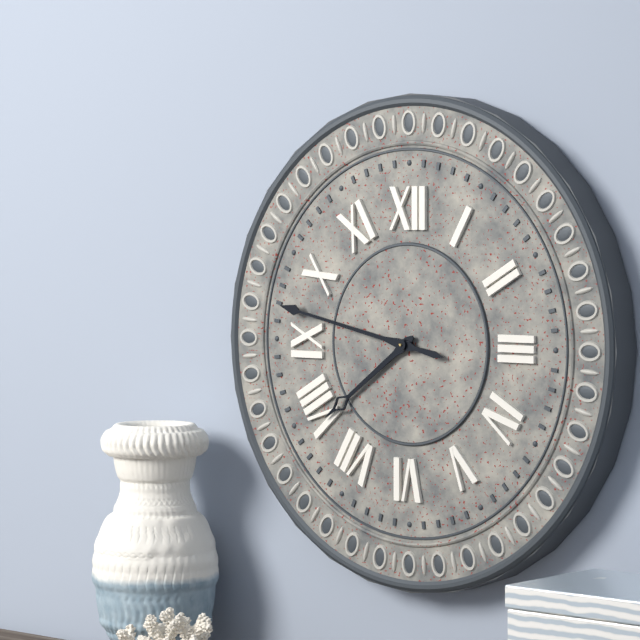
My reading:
7h47
